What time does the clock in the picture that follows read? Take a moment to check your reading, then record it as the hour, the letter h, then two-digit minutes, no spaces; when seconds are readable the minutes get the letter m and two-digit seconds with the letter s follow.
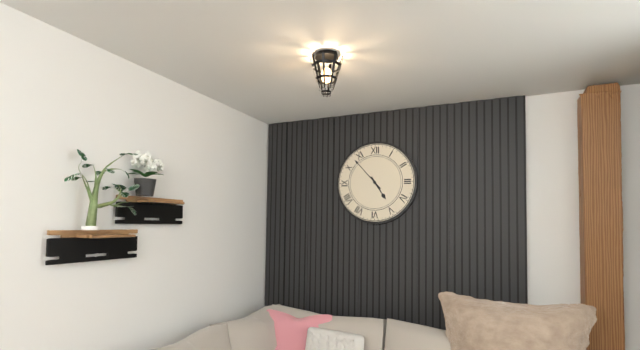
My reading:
4h53
